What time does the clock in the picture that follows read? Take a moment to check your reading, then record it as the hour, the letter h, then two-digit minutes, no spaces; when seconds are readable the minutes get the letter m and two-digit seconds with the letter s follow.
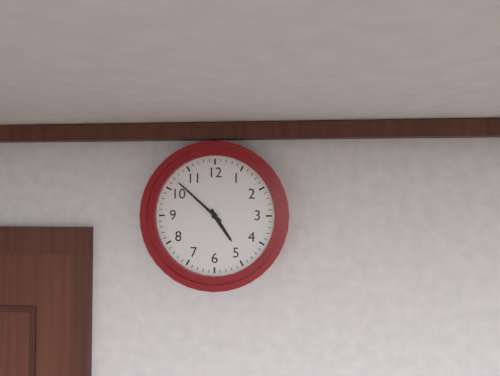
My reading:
4h52
